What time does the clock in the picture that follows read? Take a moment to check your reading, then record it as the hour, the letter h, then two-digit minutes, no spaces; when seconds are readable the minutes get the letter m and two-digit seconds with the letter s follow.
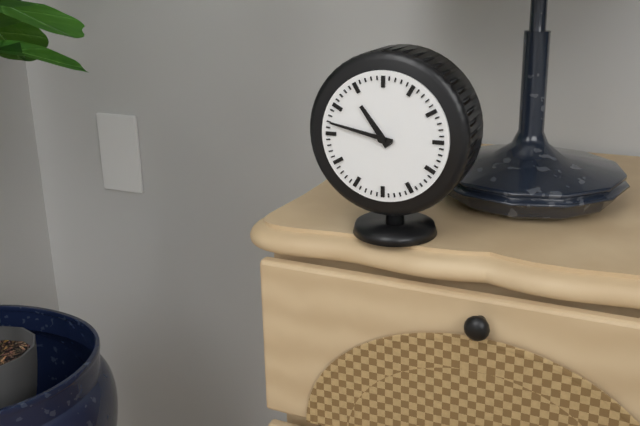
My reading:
10h47
